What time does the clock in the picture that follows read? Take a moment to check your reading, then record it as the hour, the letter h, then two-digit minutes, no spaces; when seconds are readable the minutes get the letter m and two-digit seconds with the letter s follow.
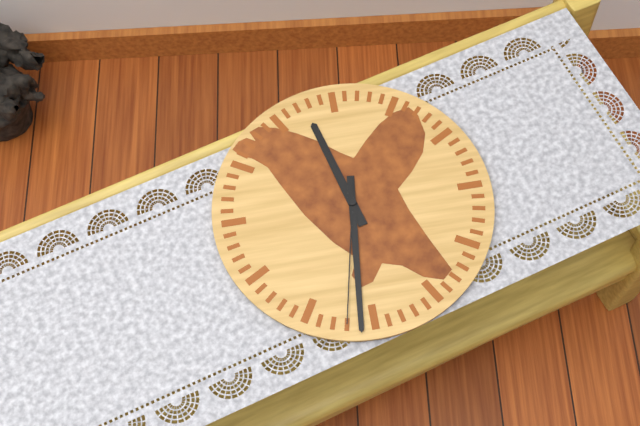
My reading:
11h31m32s
